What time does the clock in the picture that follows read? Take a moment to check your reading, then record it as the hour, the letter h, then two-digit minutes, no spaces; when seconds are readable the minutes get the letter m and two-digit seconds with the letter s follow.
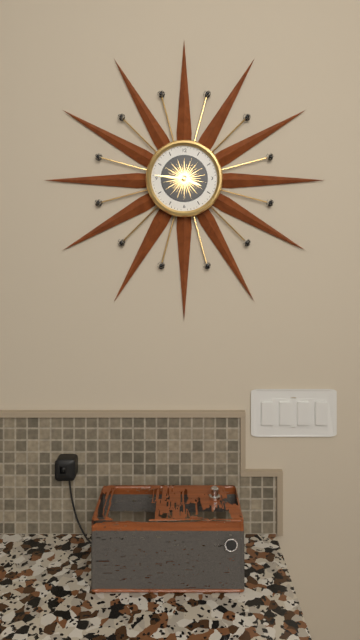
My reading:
3h46
